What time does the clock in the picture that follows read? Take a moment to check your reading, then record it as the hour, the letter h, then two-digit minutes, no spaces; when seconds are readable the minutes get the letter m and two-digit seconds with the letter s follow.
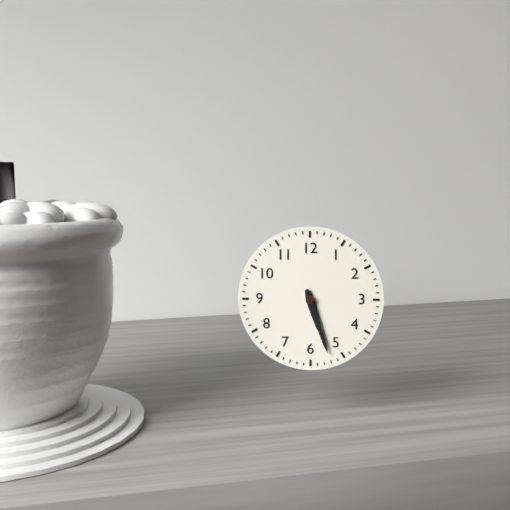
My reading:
5h27
